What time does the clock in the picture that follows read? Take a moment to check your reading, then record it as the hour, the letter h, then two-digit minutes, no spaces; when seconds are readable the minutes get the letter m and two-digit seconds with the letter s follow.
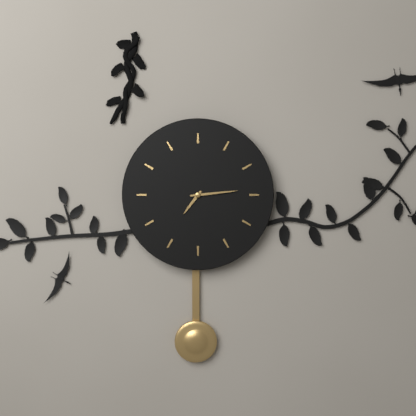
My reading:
7h14
